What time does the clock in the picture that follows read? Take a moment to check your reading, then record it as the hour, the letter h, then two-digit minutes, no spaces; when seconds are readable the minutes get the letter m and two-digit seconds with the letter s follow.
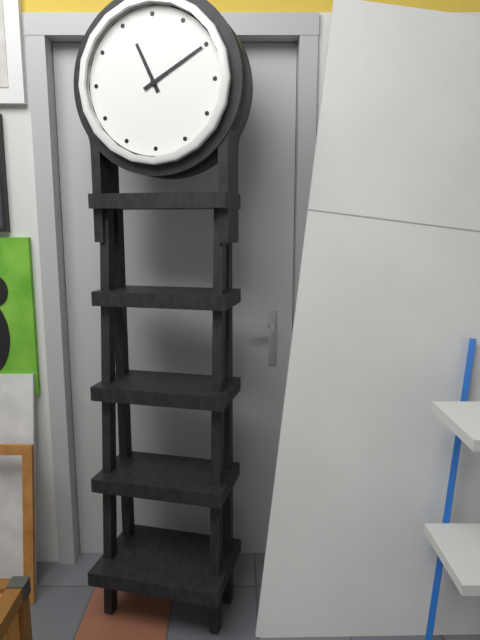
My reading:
11h10
